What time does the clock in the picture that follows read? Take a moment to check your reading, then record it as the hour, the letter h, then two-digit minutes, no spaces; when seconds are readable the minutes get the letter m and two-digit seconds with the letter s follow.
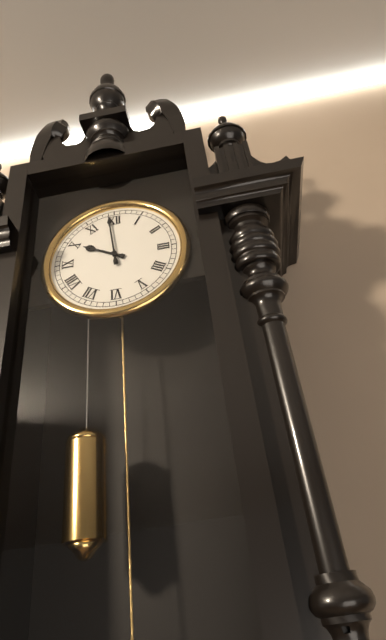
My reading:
9h59
